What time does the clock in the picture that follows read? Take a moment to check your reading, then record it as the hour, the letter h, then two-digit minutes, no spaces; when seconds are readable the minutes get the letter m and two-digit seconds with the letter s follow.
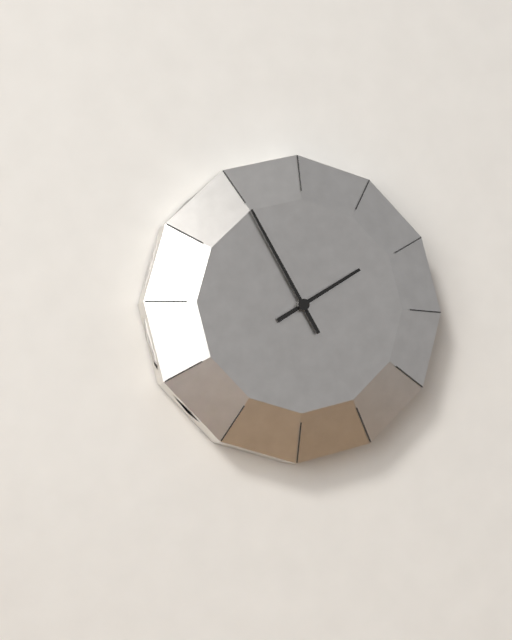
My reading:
1h55
